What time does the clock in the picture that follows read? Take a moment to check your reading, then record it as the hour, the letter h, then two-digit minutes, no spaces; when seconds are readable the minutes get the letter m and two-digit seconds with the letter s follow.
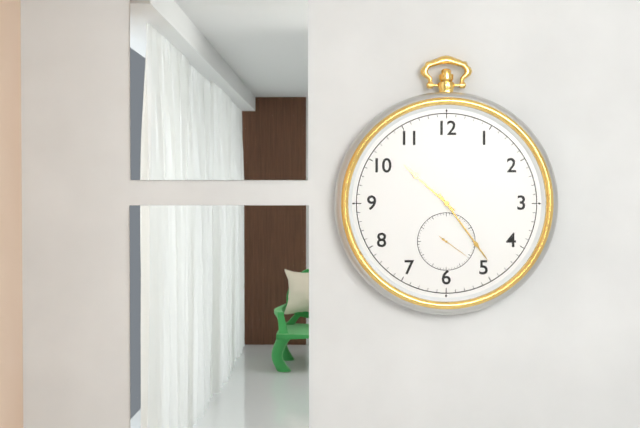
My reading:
10h24
